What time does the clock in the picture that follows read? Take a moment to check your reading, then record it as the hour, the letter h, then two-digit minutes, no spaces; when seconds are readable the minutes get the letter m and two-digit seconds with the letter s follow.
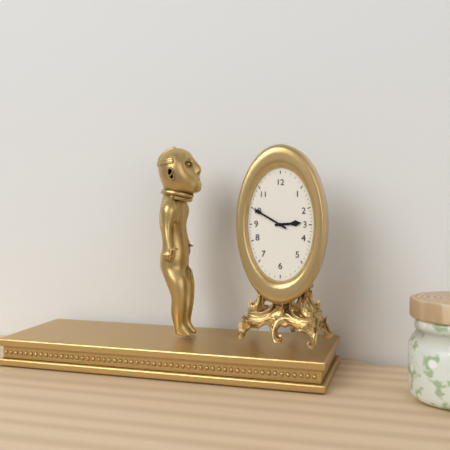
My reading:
2h50
